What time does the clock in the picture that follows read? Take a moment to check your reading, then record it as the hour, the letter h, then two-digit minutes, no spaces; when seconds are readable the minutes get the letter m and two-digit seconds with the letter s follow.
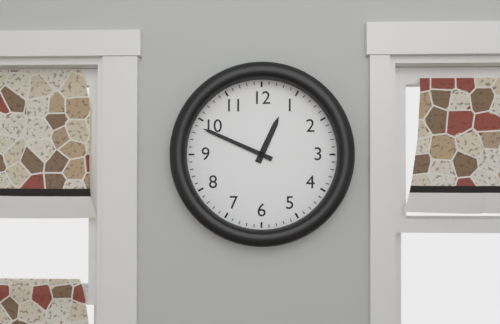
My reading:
12h49
